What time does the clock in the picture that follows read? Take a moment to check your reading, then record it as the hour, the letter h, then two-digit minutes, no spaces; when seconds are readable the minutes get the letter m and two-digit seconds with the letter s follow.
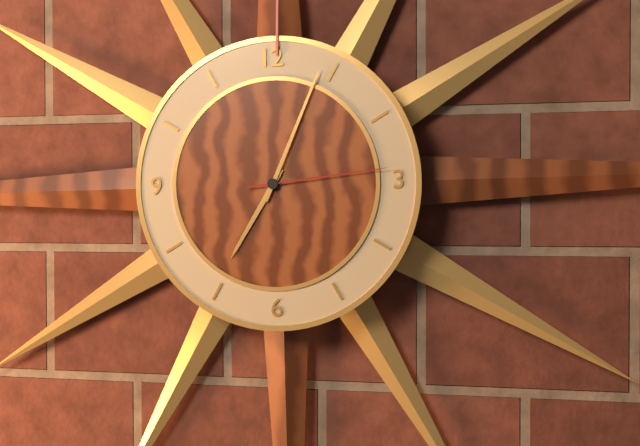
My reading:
7h04m14s
